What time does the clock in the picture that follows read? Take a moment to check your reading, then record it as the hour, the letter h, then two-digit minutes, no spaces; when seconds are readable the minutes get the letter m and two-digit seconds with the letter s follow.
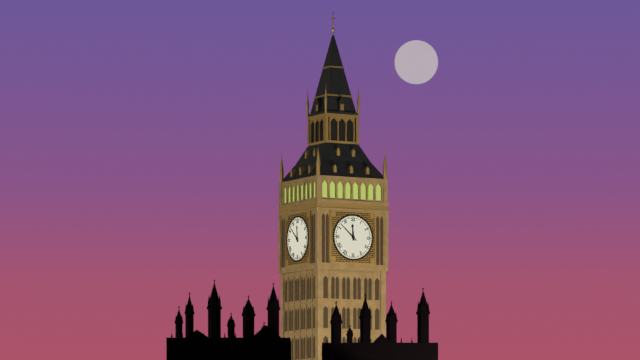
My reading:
11h52
